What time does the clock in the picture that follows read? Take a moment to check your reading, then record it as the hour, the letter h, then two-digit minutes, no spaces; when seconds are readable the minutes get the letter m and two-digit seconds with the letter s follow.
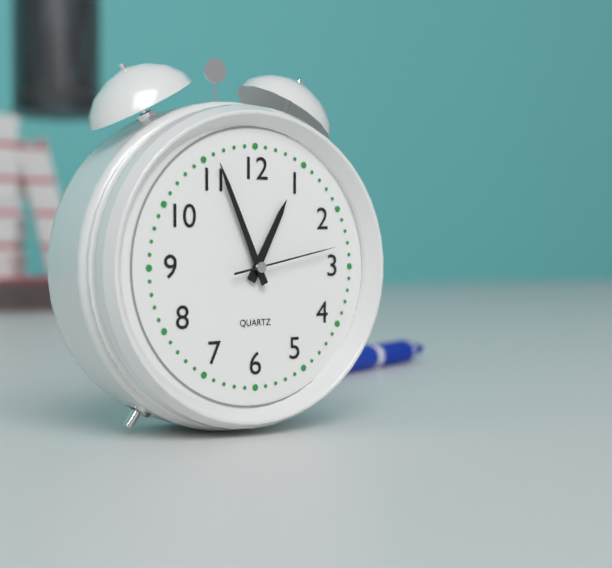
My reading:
12h56m13s
